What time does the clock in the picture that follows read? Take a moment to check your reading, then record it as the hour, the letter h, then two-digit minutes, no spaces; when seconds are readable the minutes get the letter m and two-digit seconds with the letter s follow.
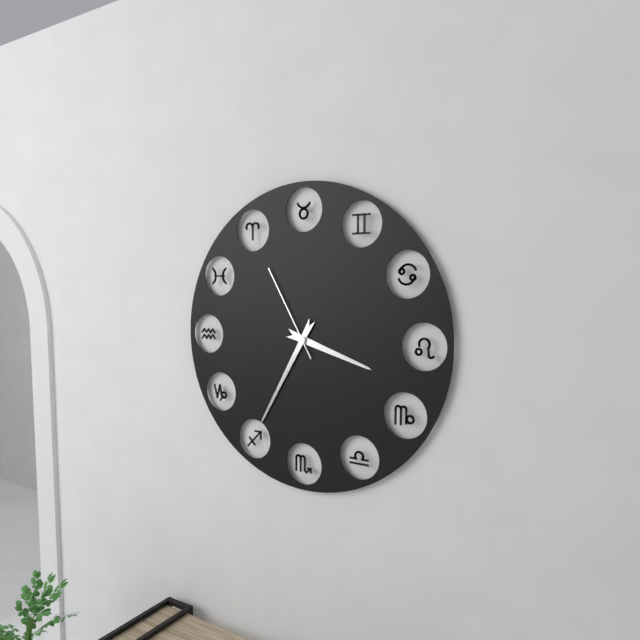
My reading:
3h35m55s
